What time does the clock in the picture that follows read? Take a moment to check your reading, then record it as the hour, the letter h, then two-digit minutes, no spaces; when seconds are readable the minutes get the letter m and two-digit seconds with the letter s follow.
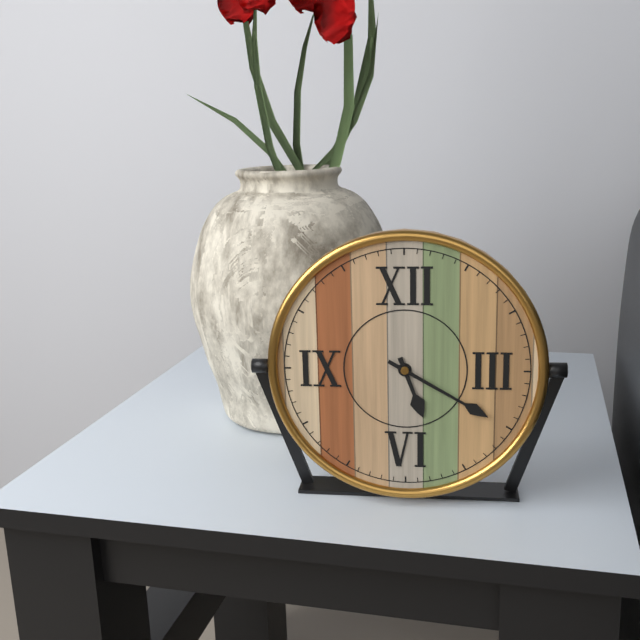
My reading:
5h20
